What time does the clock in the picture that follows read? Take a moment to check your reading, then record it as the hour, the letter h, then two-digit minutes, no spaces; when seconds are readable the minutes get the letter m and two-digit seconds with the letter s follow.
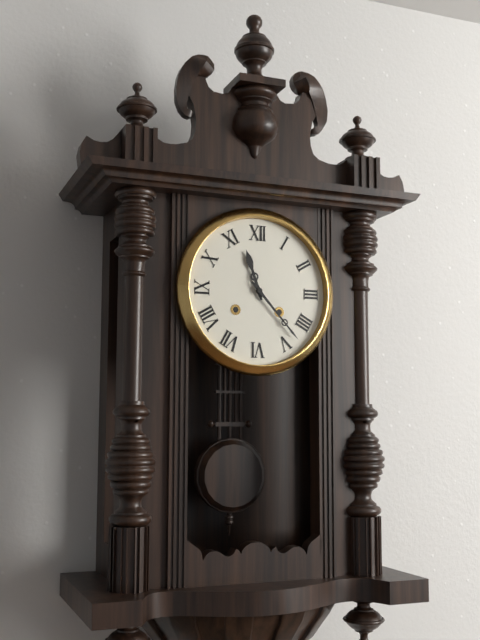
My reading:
11h23
